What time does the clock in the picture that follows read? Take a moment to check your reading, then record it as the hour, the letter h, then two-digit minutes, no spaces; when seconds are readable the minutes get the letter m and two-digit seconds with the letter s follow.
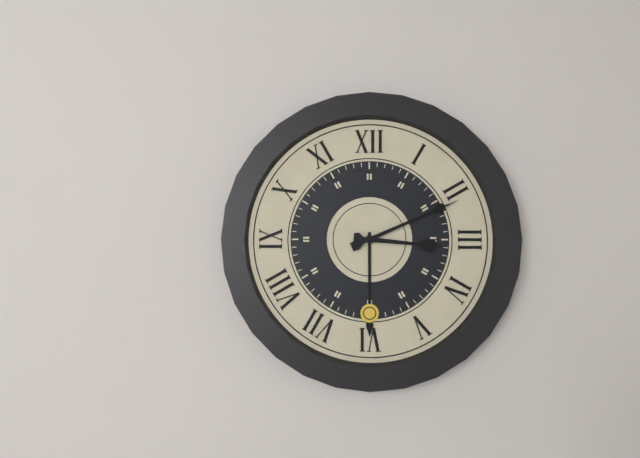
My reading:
3h11
